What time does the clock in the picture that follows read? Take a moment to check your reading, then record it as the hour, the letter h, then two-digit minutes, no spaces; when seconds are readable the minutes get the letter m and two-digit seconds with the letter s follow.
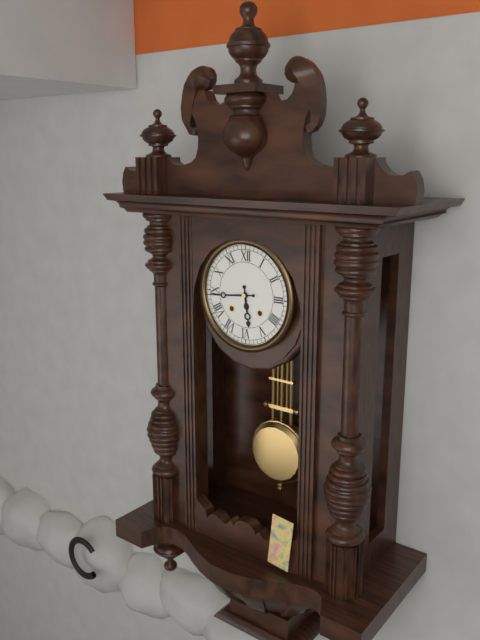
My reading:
5h44
